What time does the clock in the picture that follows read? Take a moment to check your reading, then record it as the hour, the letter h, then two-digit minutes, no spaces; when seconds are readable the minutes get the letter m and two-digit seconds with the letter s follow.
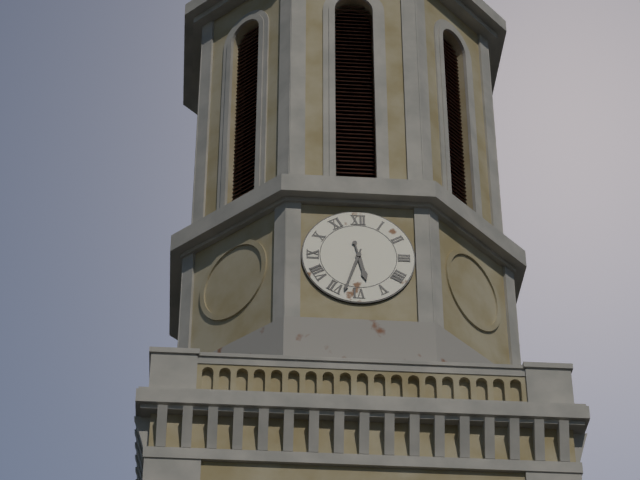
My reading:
5h33
